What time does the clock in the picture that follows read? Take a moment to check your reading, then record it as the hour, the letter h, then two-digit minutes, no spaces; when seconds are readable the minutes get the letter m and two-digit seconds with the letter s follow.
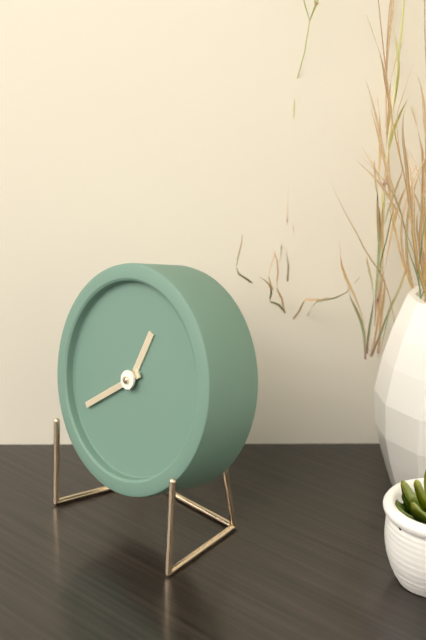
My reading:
12h39
